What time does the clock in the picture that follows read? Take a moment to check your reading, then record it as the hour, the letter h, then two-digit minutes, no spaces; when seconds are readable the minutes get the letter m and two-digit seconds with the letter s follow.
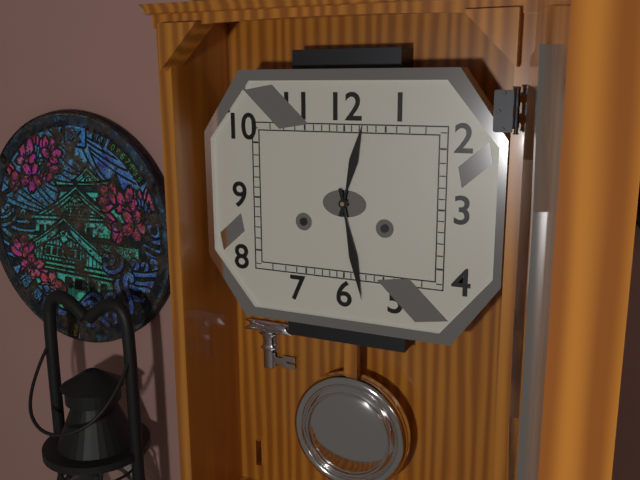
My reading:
12h28
